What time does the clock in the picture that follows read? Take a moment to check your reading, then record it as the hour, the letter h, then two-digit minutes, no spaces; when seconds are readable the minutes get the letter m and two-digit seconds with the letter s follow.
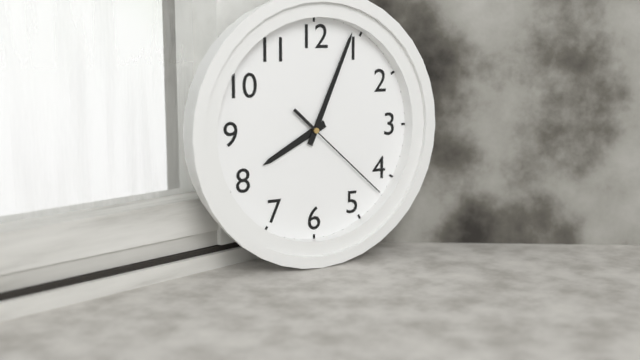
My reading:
8h04m22s
